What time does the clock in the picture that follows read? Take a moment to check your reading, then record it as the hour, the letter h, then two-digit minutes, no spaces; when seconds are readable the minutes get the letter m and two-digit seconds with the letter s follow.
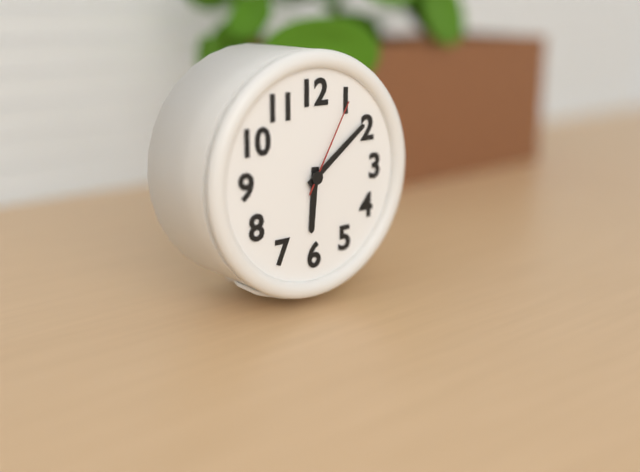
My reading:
6h09m05s
